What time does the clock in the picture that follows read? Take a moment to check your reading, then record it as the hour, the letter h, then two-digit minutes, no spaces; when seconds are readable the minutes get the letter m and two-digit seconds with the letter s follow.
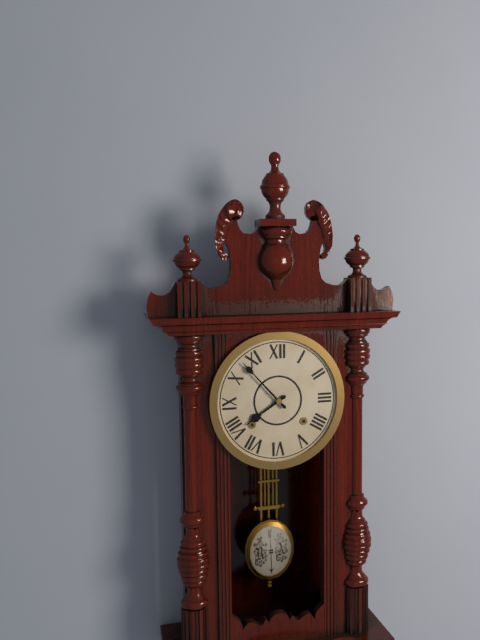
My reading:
7h53
